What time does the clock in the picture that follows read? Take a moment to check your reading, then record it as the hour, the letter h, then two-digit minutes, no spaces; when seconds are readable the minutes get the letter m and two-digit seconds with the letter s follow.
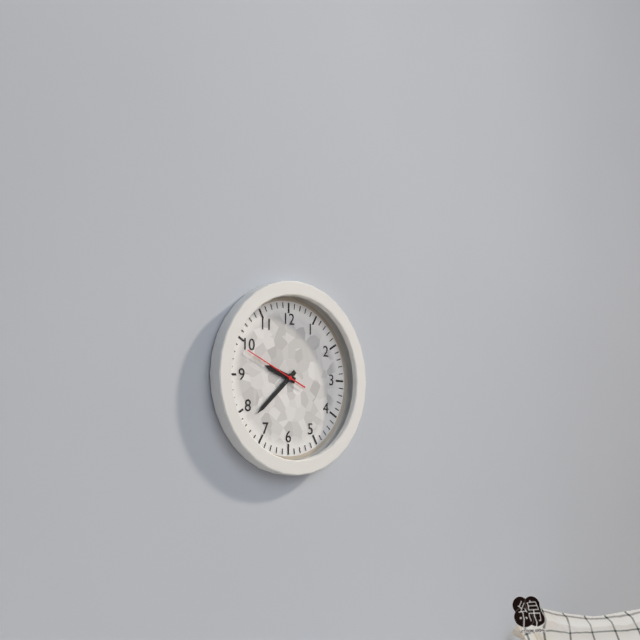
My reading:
9h38m49s
